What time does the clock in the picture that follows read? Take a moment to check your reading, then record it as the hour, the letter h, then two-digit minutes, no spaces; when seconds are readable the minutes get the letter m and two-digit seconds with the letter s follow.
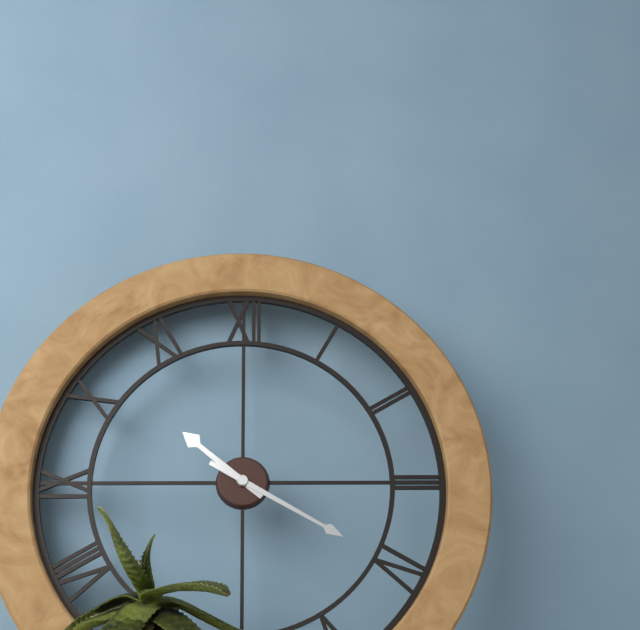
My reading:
10h20
